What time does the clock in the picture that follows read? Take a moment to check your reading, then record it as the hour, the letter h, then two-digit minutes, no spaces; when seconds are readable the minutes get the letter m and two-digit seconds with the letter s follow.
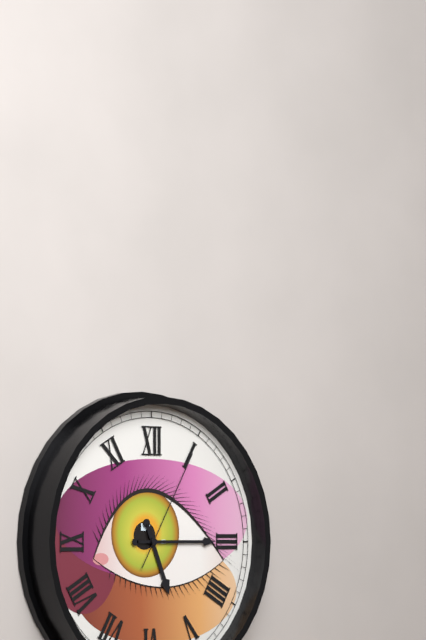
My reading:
5h15m05s
